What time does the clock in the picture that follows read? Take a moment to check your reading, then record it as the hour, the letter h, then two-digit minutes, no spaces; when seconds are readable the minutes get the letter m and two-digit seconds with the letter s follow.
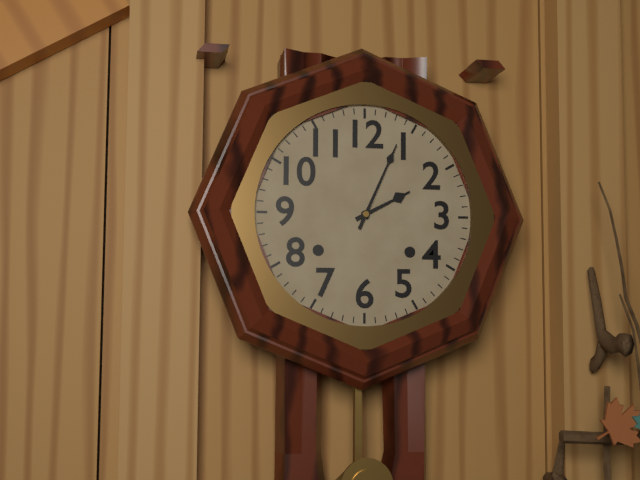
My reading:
2h04
